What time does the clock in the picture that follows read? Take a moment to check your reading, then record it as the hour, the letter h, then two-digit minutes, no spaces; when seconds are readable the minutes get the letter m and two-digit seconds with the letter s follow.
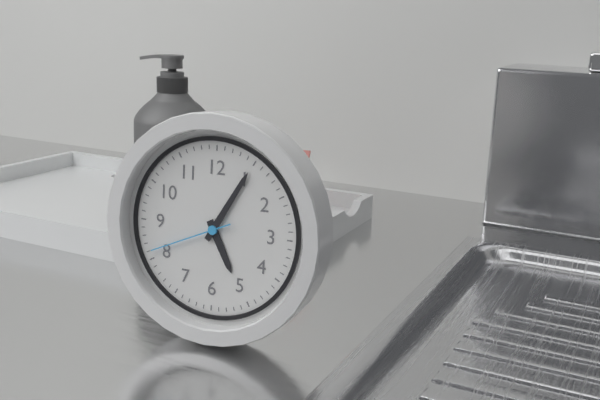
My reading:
5h05m41s
